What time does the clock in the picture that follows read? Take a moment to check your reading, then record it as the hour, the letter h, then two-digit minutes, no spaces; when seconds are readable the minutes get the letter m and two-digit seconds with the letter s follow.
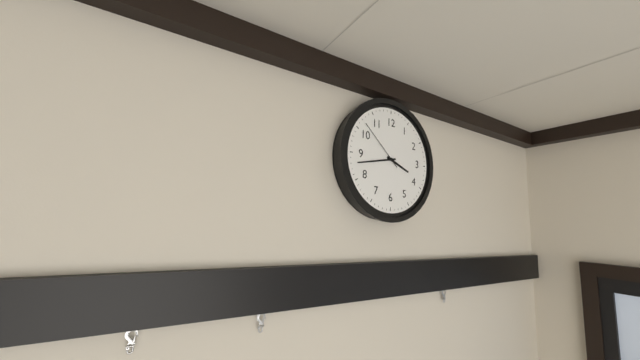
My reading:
3h43m52s
